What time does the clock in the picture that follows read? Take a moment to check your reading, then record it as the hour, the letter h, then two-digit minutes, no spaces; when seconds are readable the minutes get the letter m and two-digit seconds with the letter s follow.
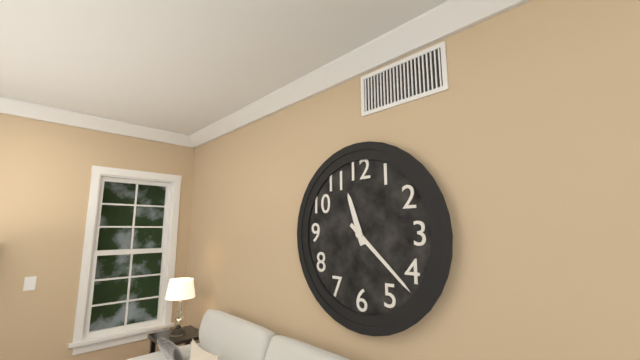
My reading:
11h22
